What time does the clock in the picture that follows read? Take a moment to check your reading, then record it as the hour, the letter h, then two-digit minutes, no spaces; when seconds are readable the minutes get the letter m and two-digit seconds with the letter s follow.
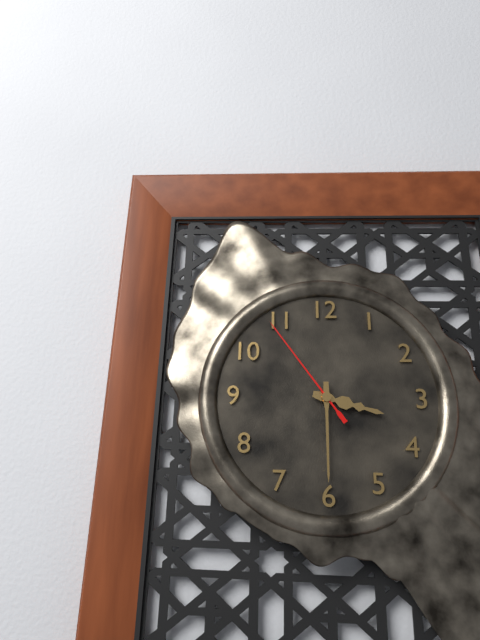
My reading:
3h30m54s
